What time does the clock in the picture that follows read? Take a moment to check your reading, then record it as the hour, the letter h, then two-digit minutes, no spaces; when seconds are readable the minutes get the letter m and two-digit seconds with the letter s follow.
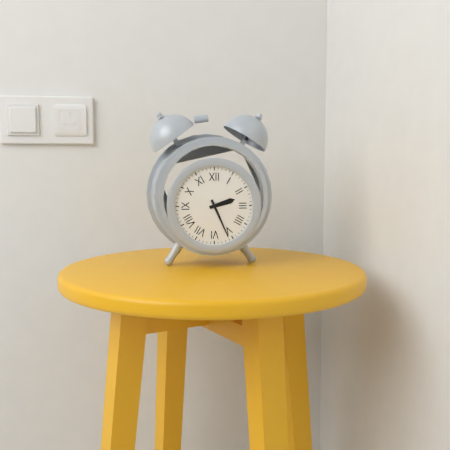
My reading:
2h26
